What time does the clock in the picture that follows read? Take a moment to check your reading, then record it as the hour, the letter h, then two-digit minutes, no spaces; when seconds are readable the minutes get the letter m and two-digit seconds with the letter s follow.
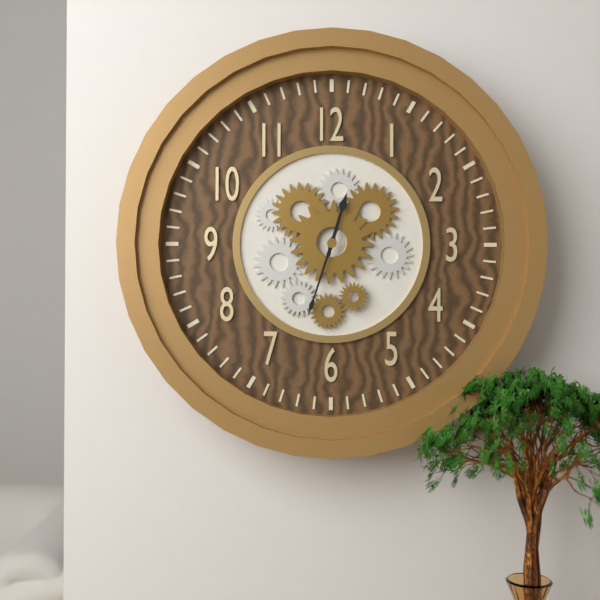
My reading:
12h33
